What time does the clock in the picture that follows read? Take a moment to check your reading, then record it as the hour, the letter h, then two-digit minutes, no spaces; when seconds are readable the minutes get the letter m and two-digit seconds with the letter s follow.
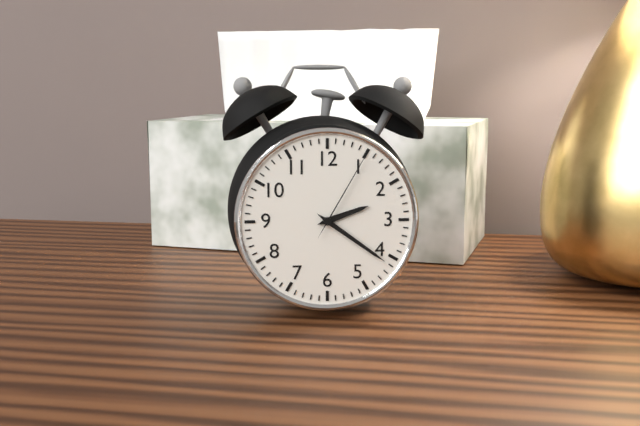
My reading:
2h21m05s
